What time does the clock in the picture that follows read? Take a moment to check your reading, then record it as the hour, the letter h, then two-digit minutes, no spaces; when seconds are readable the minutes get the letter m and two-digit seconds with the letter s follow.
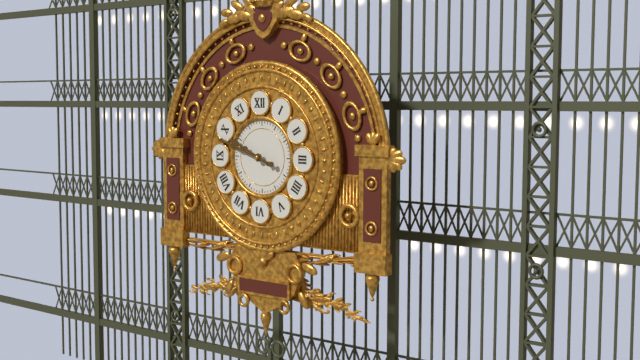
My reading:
9h48
